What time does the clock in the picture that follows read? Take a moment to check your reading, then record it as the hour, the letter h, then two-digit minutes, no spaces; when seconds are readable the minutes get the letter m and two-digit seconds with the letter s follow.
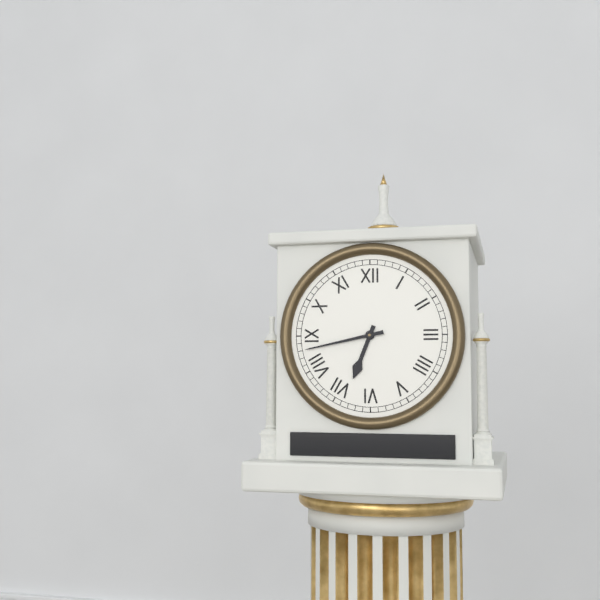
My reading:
6h43
